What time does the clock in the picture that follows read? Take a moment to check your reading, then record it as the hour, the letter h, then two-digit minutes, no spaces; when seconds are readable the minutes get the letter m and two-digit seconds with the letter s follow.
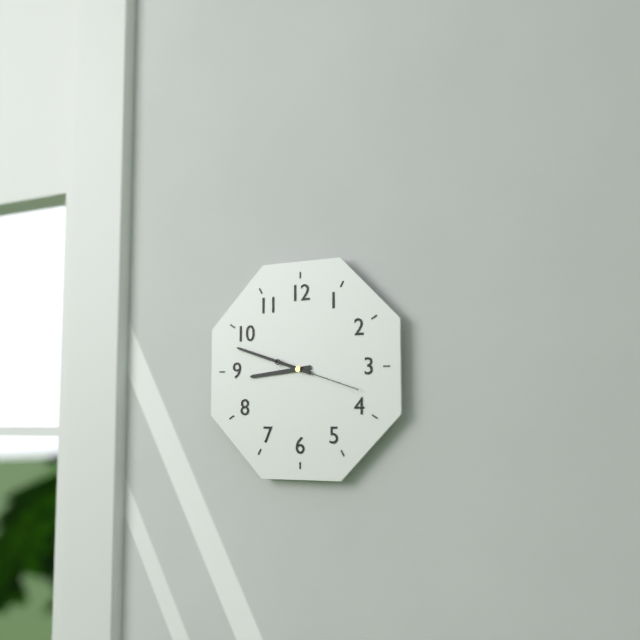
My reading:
8h48m18s
